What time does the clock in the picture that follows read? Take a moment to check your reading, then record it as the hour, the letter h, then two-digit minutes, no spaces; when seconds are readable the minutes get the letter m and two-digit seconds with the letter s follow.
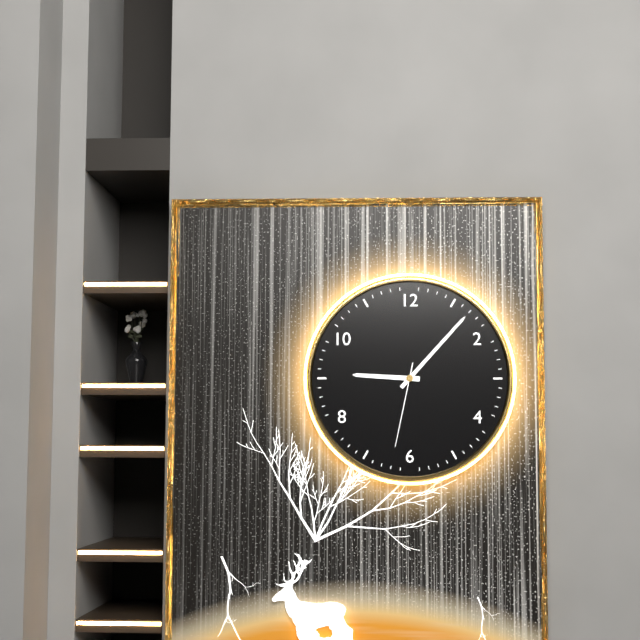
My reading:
9h07m32s
